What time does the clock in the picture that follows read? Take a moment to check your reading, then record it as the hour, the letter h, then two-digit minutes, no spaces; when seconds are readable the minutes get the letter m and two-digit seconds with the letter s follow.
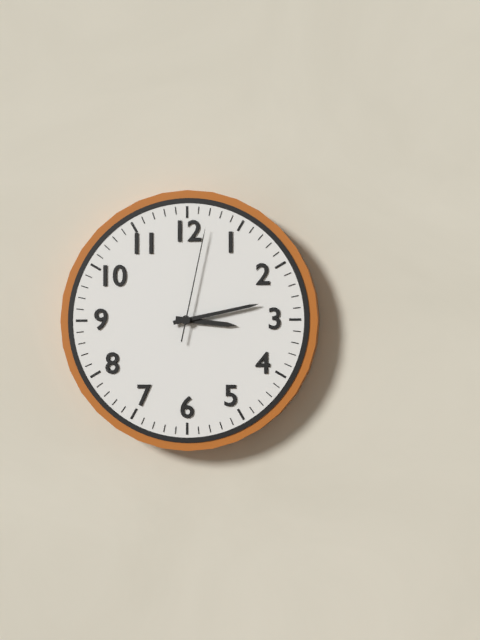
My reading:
3h13m02s
